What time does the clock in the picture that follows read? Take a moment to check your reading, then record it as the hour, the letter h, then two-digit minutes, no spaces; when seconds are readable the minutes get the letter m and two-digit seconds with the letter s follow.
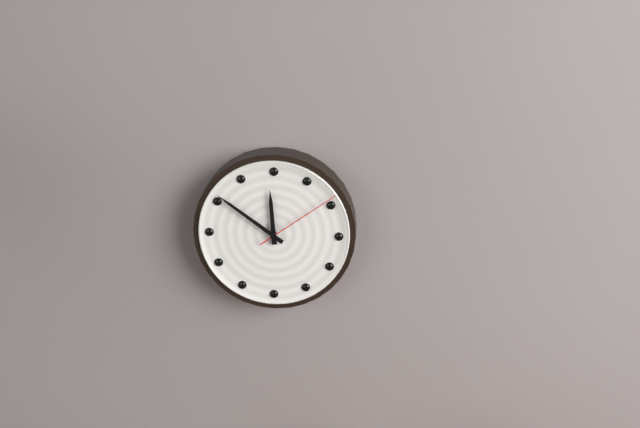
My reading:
11h51m09s
